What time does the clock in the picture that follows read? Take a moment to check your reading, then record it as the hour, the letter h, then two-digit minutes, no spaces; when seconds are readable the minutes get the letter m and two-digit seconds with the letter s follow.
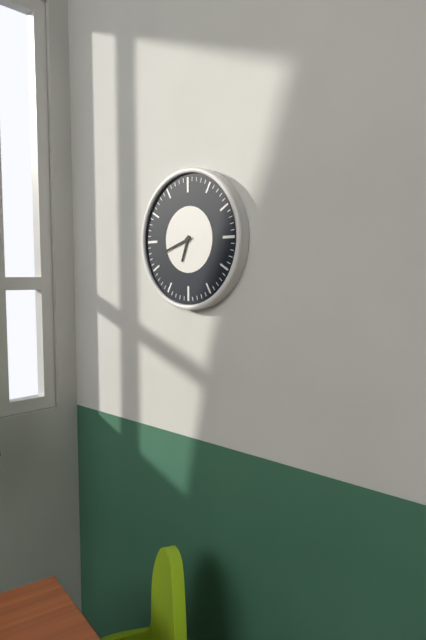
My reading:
6h42
